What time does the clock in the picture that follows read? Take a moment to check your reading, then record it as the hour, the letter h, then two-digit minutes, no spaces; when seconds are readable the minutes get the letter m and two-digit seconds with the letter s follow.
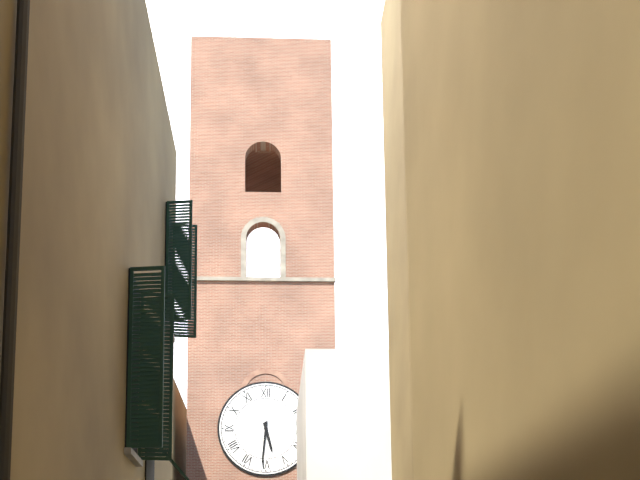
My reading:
5h31
